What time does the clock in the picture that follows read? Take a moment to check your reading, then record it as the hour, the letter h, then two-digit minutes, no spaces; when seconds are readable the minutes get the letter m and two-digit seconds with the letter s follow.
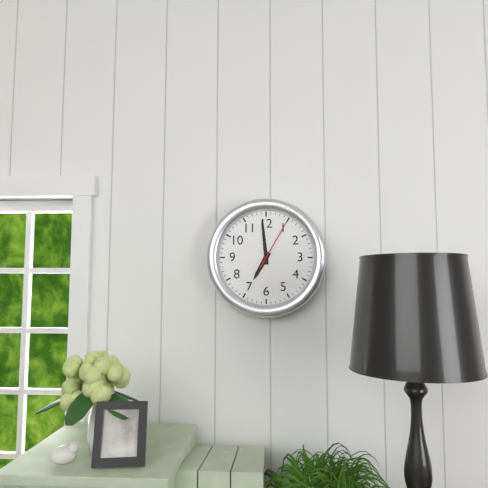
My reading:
6h59m05s
